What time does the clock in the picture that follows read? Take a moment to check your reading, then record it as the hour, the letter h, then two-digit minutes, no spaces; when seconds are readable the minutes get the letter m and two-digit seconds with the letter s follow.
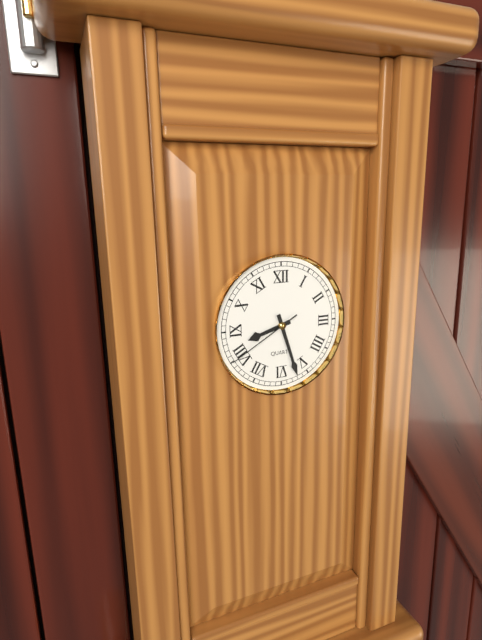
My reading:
8h27m40s
